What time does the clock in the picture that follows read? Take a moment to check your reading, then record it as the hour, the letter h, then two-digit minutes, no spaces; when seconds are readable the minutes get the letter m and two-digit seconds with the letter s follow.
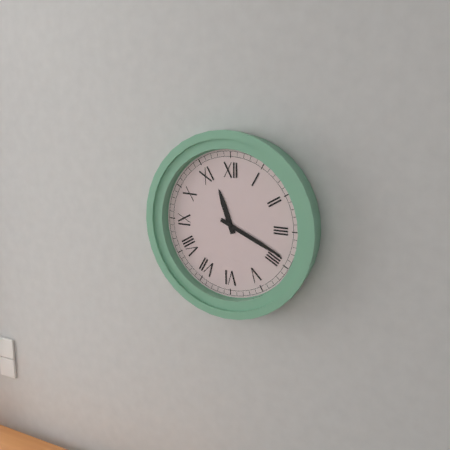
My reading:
11h19
